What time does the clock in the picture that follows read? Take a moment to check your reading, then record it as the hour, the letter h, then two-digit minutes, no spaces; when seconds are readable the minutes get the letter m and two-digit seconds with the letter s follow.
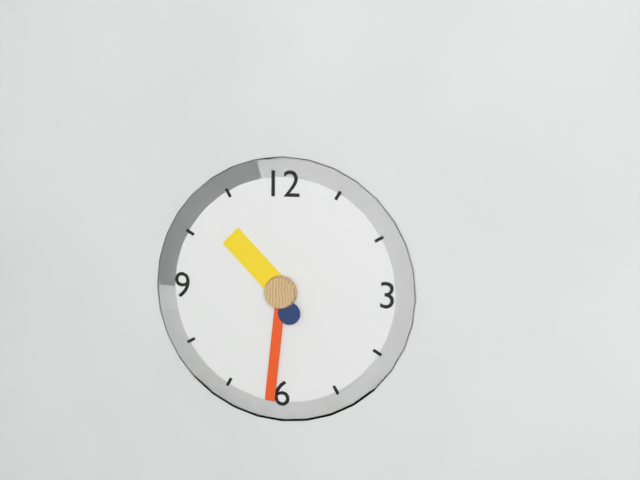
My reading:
10h31
